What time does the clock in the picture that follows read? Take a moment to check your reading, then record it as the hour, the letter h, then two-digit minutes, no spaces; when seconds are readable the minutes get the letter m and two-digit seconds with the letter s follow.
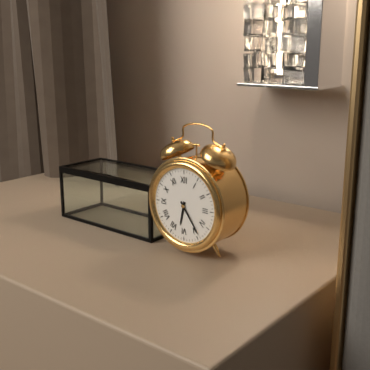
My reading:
6h24
